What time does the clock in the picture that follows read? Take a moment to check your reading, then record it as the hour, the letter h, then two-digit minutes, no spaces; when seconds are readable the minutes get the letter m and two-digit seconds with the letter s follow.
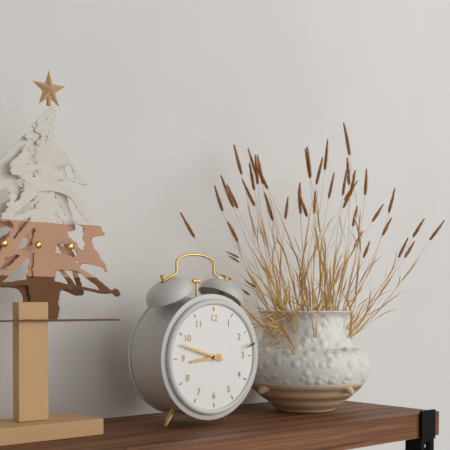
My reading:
8h48
